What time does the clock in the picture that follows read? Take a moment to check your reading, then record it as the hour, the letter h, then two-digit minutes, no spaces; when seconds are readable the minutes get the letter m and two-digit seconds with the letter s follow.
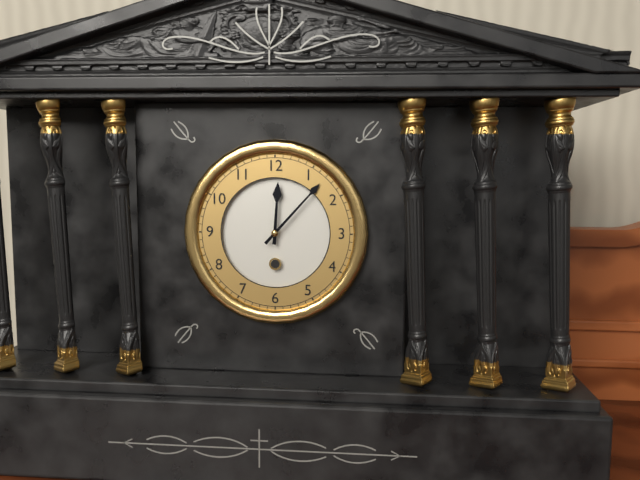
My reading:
12h07
